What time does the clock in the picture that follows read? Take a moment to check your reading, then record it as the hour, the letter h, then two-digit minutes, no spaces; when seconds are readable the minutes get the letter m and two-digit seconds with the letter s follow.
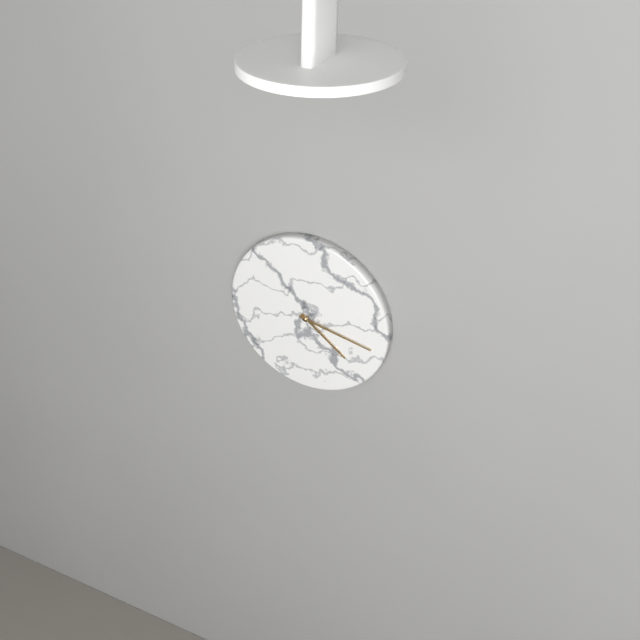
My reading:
4h17
